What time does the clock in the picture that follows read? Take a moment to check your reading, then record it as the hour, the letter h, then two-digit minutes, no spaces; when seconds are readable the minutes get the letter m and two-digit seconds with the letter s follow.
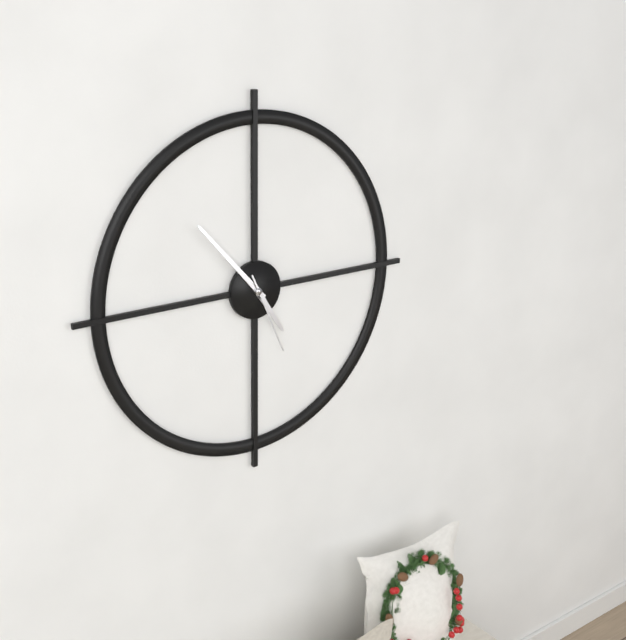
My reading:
4h53m26s
